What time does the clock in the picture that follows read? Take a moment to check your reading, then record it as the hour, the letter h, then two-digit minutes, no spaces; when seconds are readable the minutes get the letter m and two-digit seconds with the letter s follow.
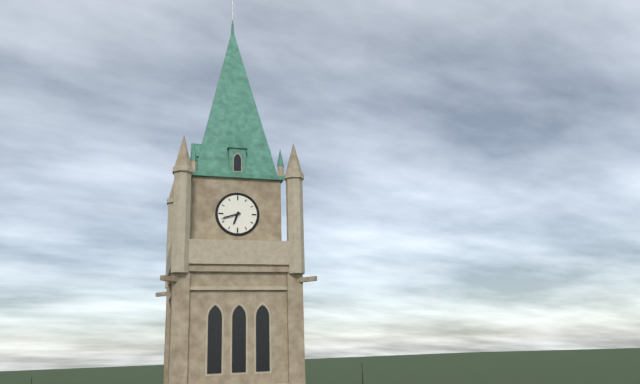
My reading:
6h42
